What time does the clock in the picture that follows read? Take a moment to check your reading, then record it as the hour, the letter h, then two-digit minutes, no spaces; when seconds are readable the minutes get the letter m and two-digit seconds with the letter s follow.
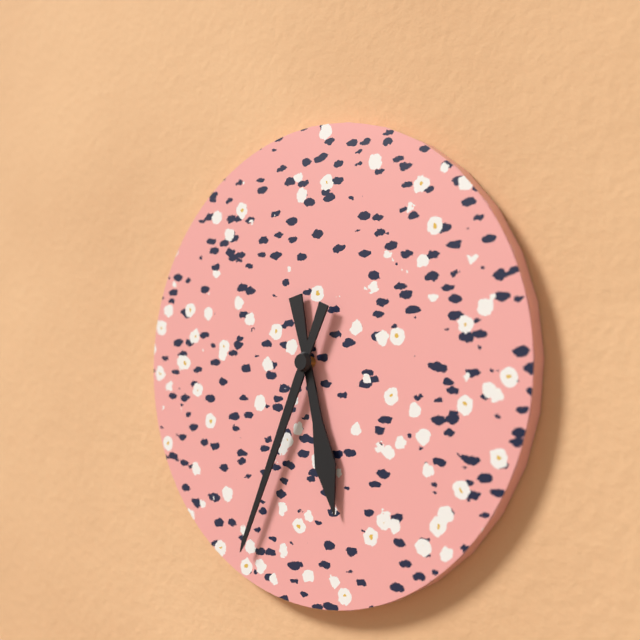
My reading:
5h34
